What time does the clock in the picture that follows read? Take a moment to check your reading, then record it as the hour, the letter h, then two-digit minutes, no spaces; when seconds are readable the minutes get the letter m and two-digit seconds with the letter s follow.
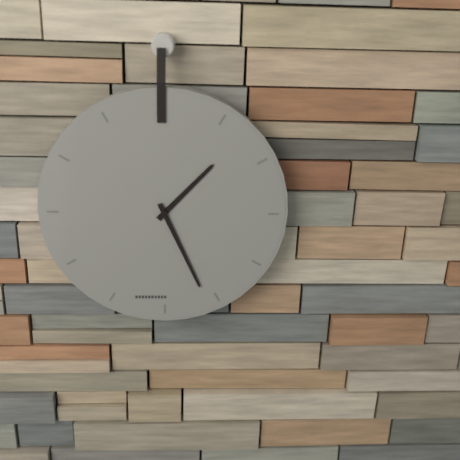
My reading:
1h26
